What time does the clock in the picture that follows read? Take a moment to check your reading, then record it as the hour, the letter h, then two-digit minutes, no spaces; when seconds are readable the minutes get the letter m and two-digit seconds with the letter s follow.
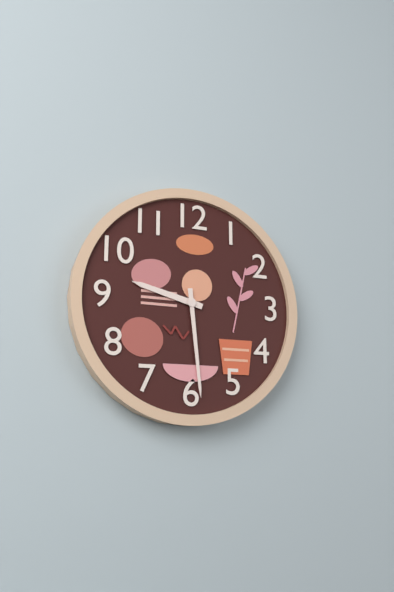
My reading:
9h29
